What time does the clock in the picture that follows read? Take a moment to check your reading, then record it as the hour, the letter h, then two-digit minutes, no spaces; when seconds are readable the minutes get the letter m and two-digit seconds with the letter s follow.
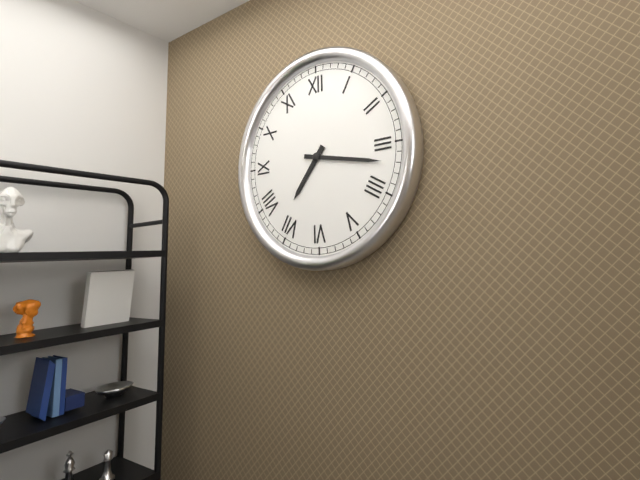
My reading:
7h17
